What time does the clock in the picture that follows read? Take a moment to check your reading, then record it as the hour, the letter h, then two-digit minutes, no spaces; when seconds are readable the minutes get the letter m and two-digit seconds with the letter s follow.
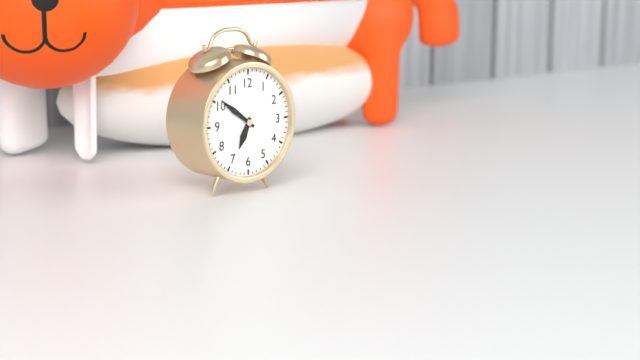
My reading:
6h51
